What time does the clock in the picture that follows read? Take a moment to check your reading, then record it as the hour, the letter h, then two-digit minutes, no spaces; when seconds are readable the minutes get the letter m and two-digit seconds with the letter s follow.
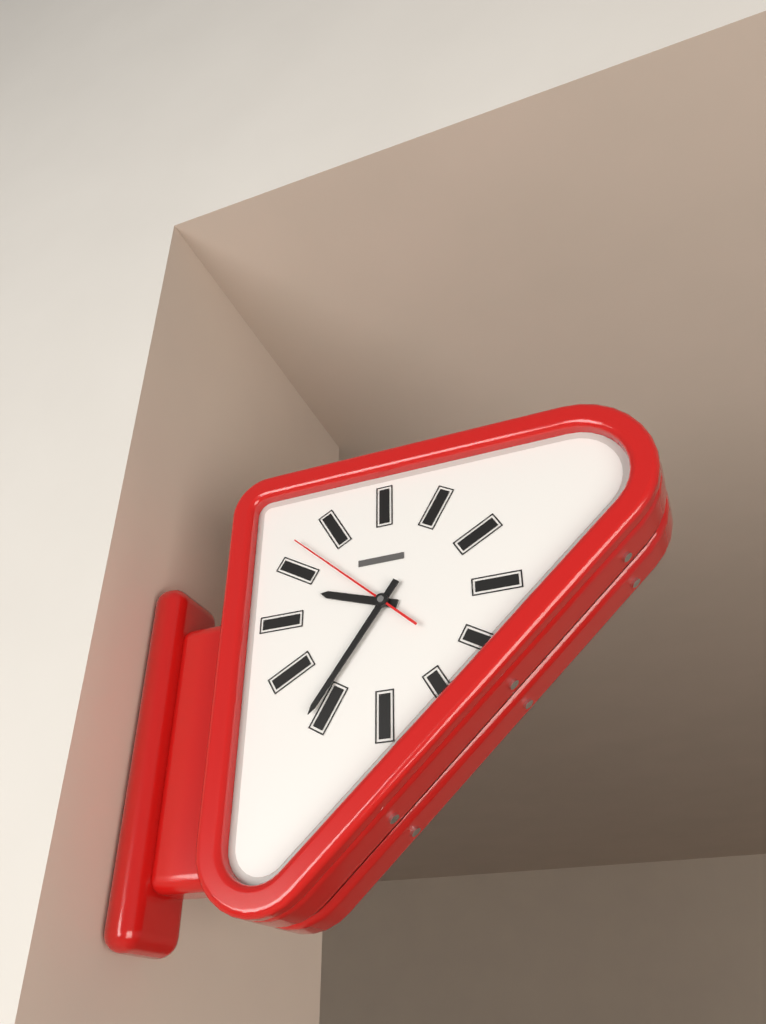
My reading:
9h36m52s
